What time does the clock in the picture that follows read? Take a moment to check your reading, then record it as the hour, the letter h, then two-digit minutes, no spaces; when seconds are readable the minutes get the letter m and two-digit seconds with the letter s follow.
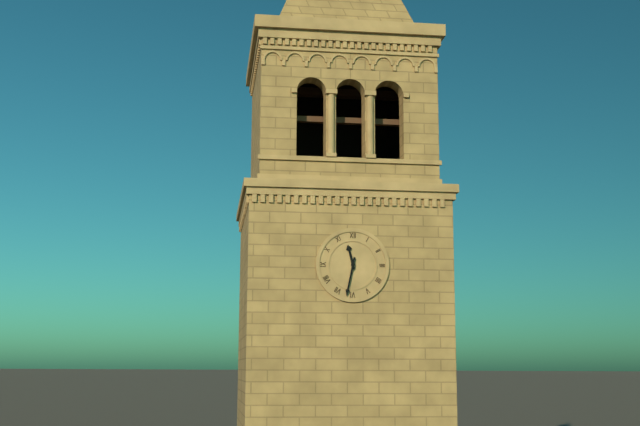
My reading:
11h32
